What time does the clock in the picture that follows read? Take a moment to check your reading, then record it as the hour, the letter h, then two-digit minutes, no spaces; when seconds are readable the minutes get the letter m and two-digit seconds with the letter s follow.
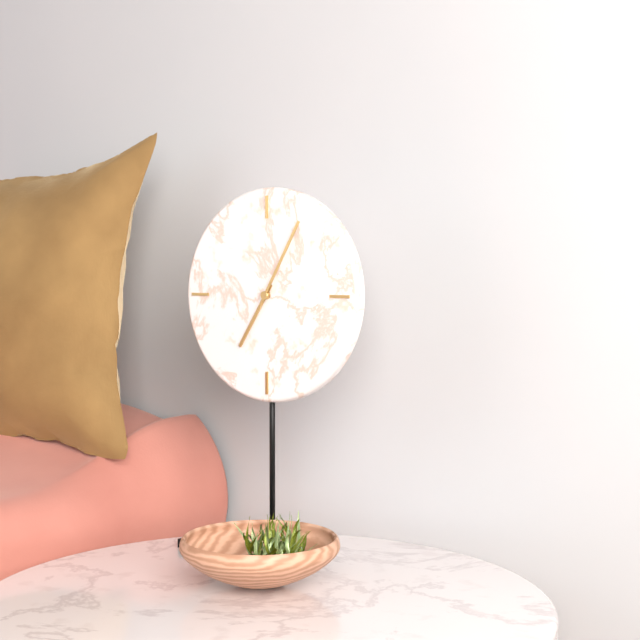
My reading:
7h05
